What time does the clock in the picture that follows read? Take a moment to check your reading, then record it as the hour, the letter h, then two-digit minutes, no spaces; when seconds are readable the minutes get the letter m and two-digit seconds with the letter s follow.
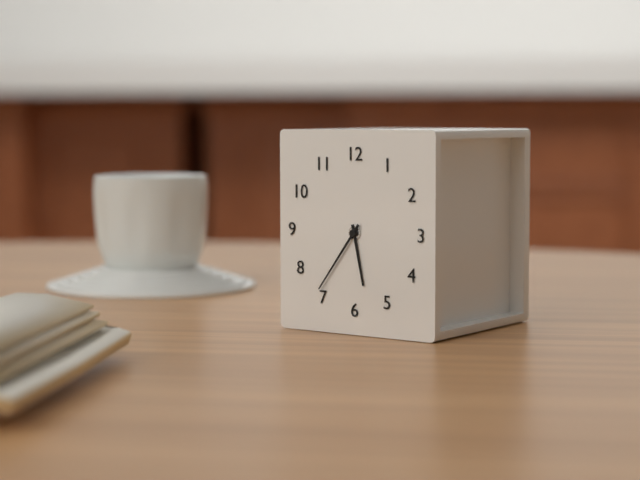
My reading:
5h36
